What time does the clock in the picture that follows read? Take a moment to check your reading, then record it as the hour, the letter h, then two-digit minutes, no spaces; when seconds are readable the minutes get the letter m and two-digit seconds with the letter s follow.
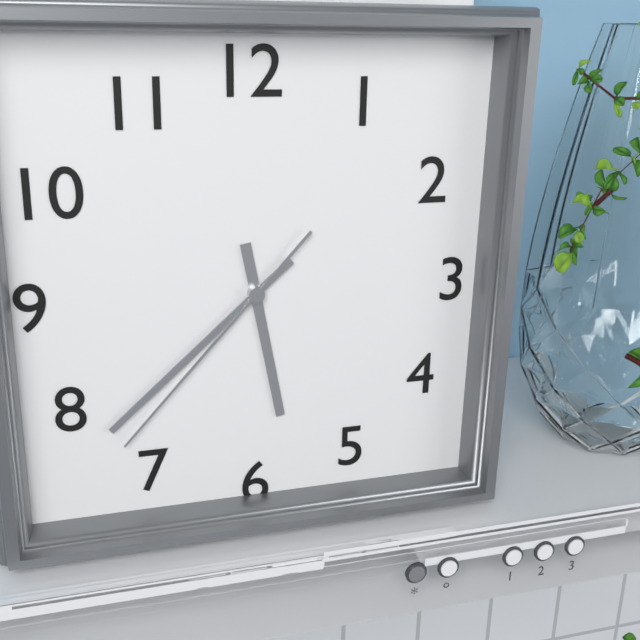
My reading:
5h38m37s
